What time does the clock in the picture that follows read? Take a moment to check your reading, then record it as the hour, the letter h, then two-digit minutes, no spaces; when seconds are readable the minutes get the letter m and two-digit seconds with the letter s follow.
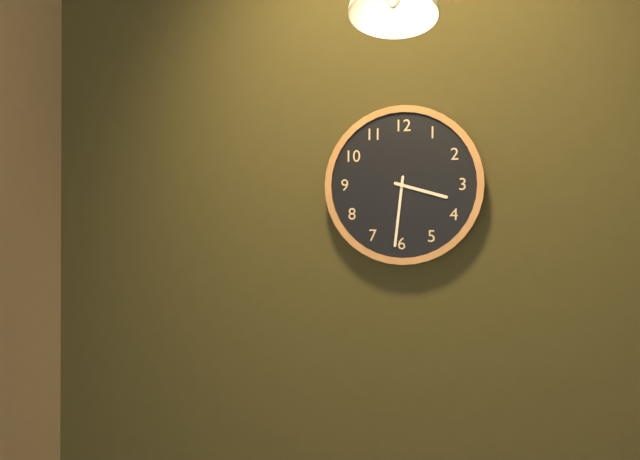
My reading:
3h31
